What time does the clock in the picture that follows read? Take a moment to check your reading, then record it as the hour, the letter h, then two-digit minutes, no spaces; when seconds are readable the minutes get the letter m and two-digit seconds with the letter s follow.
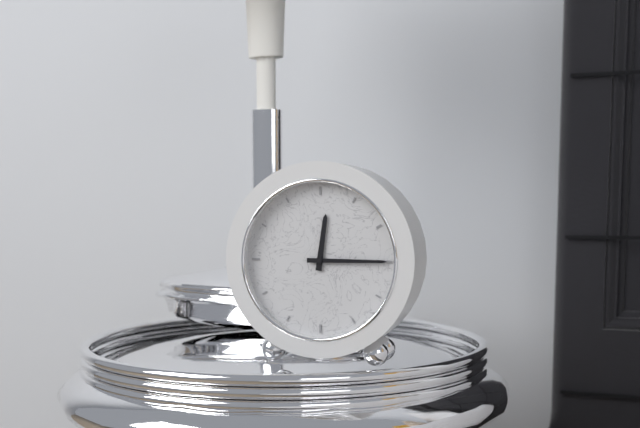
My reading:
12h15
